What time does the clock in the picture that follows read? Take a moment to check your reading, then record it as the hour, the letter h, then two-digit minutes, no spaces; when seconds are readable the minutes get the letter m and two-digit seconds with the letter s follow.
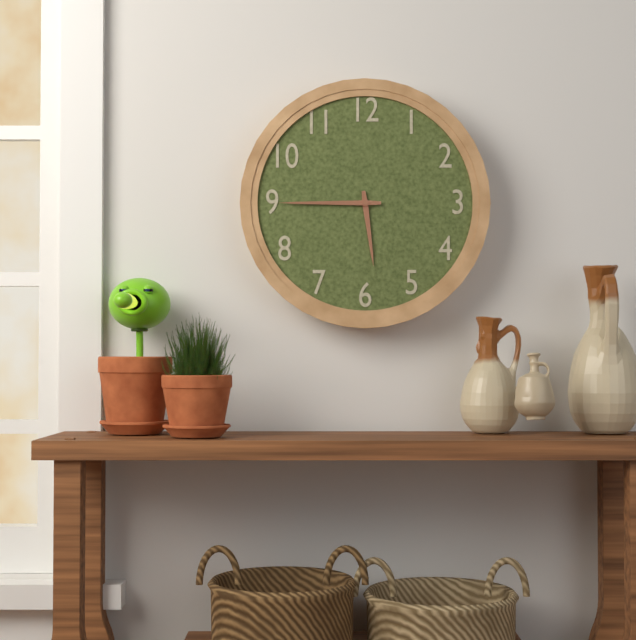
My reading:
5h45
